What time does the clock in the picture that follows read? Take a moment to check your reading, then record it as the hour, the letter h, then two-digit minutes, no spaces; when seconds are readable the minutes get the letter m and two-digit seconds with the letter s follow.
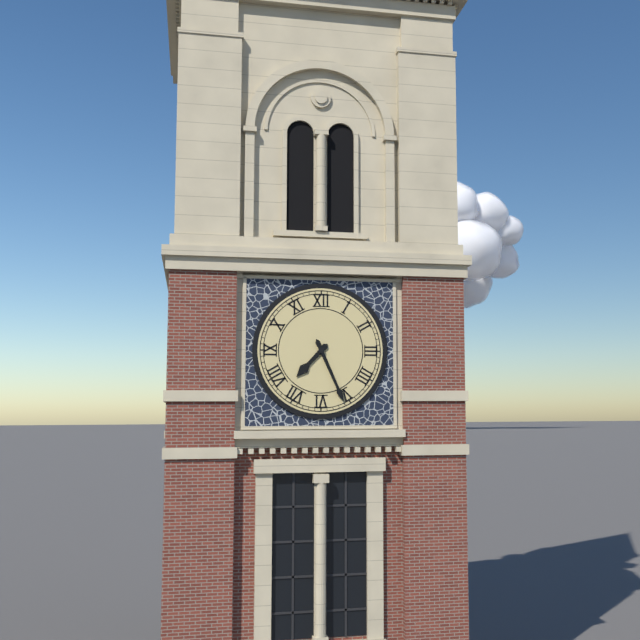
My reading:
7h26
